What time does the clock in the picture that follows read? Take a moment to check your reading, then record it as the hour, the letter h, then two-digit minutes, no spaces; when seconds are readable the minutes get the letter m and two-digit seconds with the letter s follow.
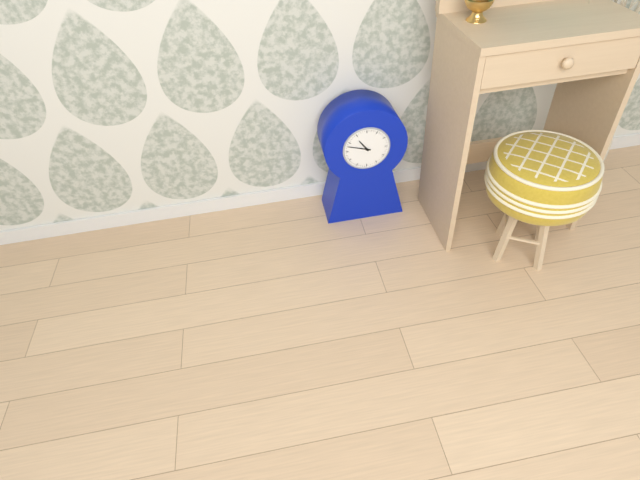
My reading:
10h48
